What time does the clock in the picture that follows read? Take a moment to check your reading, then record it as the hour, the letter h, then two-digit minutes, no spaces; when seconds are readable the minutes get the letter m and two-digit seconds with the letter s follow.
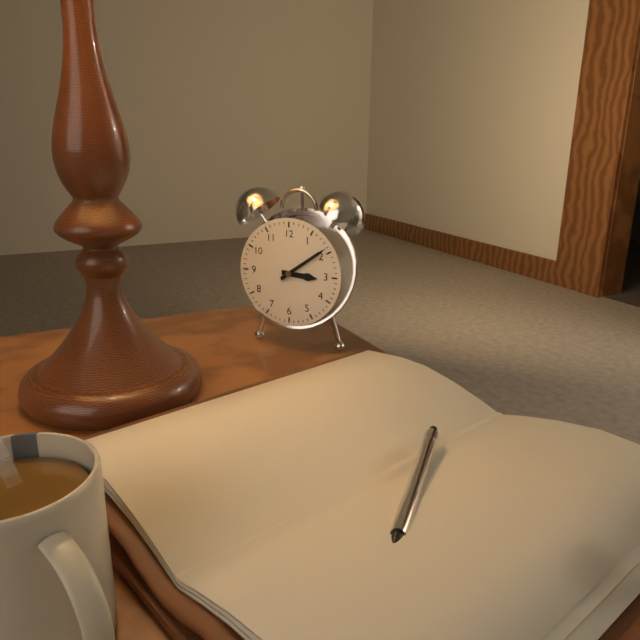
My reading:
3h09
